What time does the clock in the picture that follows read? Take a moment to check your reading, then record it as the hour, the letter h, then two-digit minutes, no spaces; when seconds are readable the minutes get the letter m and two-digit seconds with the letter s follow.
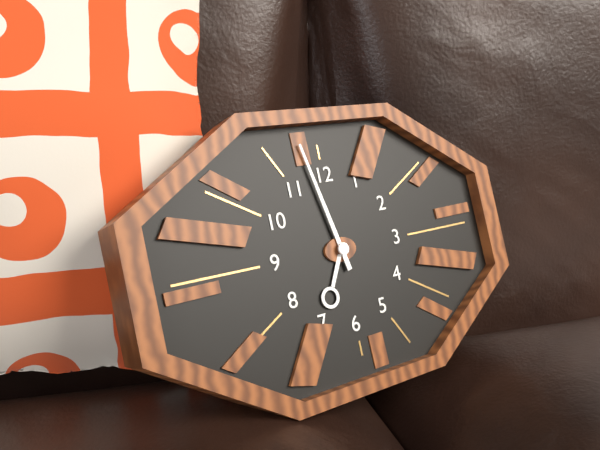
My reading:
6h58
